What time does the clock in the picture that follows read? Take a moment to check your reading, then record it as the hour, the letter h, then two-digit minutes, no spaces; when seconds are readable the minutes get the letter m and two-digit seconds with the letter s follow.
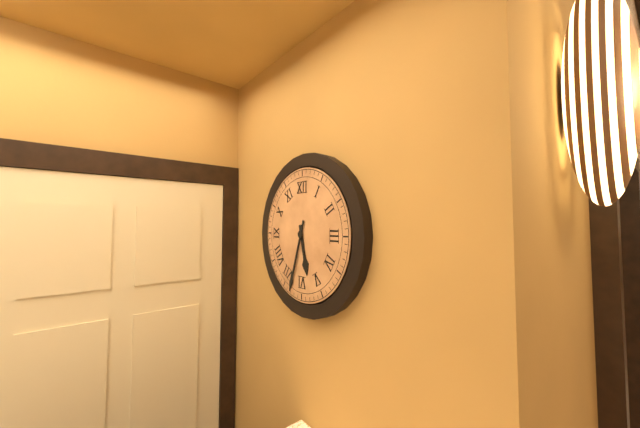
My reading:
5h33
